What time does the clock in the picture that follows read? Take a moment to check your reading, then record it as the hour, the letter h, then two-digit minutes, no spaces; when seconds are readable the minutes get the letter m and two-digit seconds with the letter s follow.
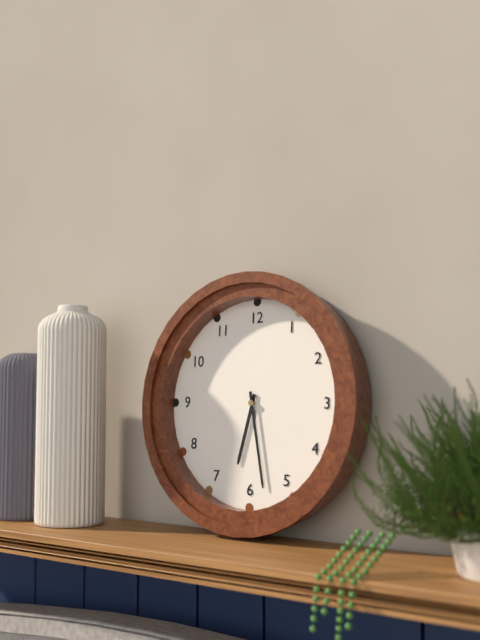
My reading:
6h28
